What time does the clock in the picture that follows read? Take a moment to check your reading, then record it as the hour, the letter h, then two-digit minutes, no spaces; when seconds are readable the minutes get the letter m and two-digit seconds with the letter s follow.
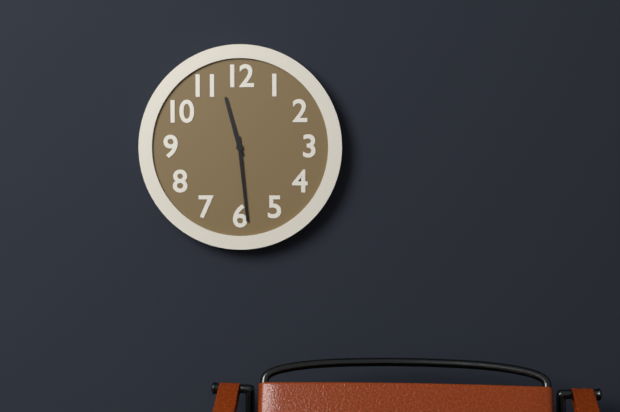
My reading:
11h29
